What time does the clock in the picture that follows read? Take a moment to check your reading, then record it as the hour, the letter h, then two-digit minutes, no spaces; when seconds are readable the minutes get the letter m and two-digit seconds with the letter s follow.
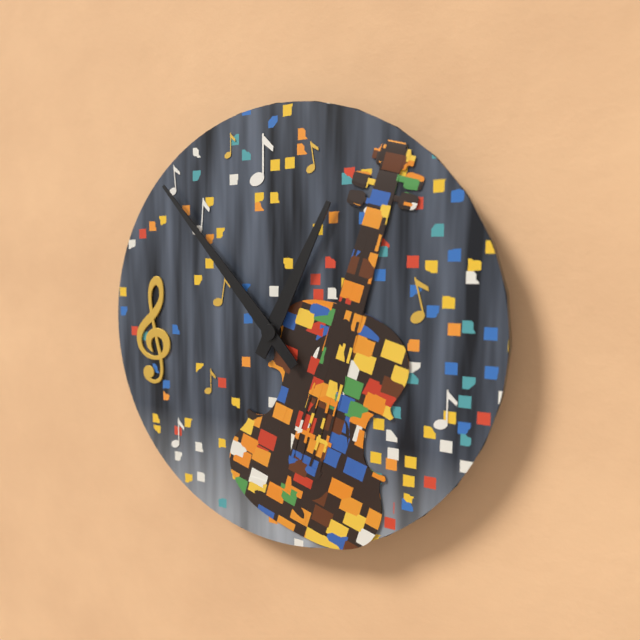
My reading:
12h53
